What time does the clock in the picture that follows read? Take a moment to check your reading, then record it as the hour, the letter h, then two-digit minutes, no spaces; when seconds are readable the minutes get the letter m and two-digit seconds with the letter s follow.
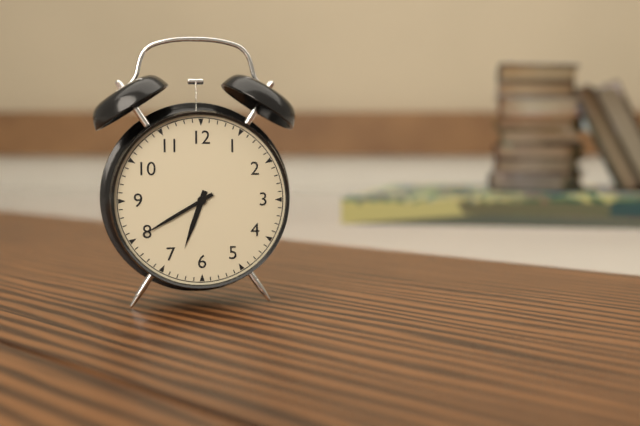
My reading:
6h40
